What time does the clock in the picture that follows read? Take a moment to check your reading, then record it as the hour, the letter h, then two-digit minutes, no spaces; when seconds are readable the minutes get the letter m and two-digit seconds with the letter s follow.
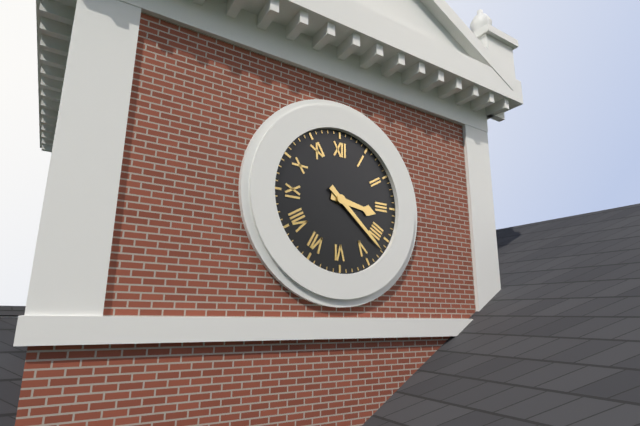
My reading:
3h22
